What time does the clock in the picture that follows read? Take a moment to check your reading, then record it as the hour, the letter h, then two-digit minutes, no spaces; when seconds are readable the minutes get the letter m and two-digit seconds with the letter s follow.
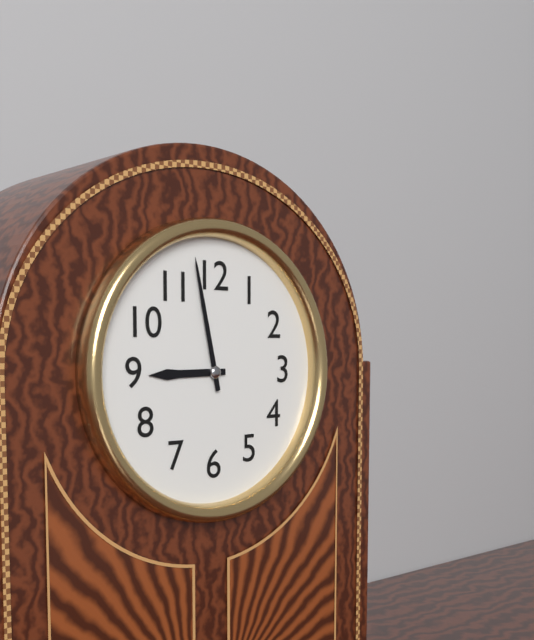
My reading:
8h58
